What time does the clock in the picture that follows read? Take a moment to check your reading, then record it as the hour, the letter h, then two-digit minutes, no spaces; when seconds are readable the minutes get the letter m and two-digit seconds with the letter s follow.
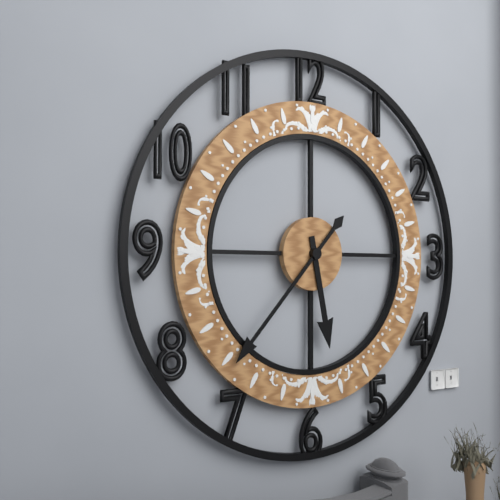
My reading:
5h37
